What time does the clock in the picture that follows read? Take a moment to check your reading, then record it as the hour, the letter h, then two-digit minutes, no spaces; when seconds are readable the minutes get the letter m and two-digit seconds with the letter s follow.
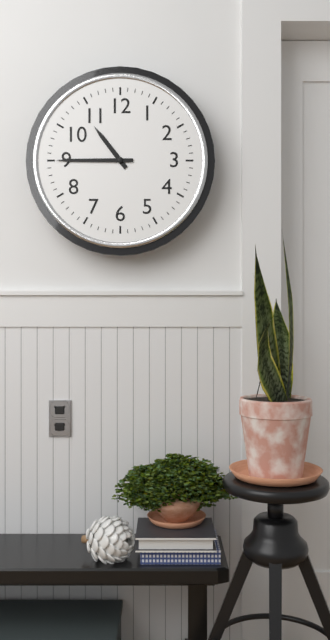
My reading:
10h45
